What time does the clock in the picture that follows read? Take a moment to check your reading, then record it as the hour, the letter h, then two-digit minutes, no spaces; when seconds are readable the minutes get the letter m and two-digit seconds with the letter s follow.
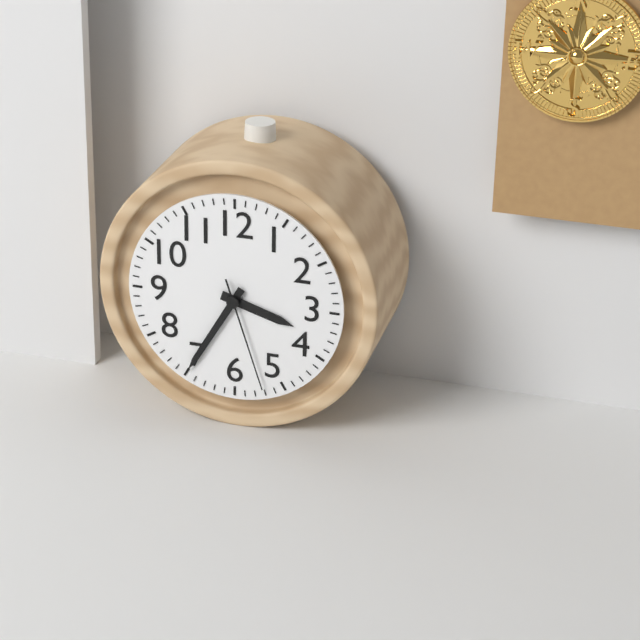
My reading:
3h35m27s
